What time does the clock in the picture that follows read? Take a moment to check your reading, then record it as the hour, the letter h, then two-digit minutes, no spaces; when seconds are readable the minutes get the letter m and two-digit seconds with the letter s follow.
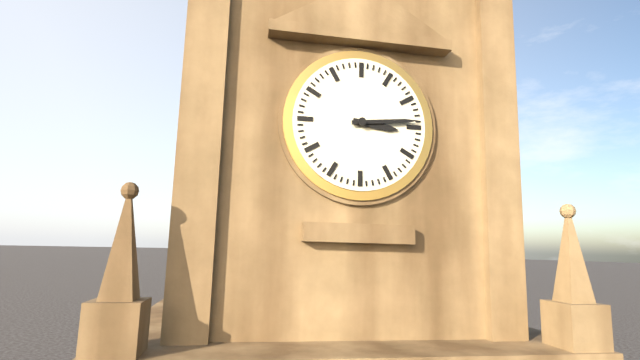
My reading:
3h14
